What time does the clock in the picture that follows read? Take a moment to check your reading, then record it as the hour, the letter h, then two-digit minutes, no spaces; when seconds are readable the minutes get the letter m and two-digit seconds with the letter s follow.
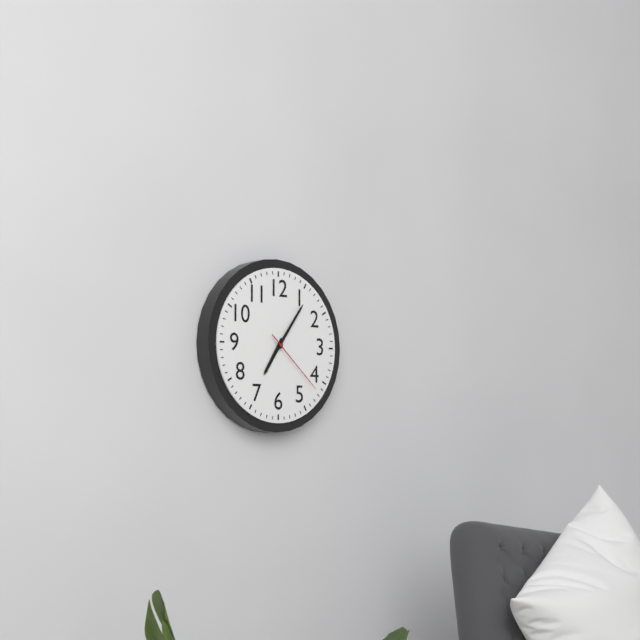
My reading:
7h06m22s
